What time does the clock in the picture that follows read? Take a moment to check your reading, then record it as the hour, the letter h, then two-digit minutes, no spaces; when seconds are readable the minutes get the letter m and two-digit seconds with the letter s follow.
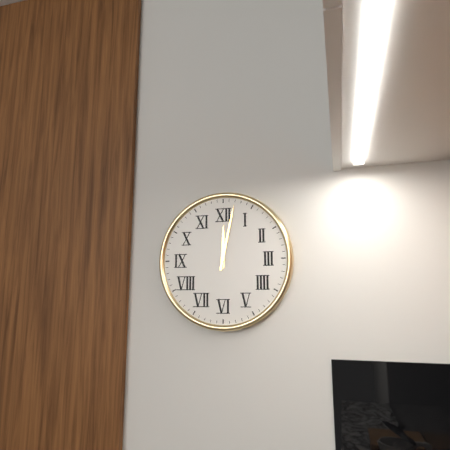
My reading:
12h02
